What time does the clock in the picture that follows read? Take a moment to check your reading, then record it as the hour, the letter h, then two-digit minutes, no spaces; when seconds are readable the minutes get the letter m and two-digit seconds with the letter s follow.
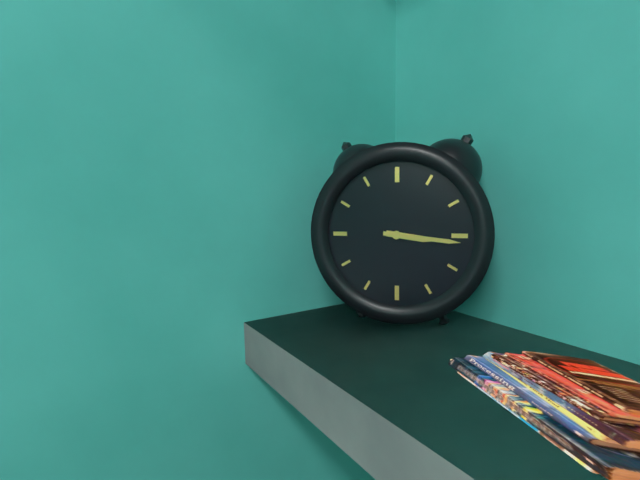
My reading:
3h16
